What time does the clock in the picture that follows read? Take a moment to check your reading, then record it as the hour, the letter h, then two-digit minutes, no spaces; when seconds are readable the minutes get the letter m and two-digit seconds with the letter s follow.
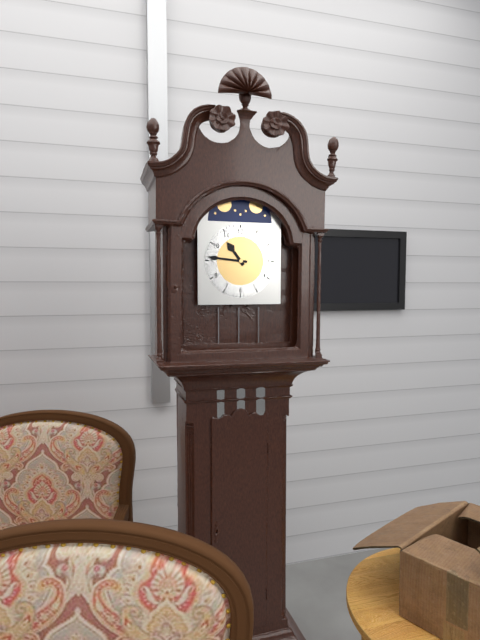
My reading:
10h46
